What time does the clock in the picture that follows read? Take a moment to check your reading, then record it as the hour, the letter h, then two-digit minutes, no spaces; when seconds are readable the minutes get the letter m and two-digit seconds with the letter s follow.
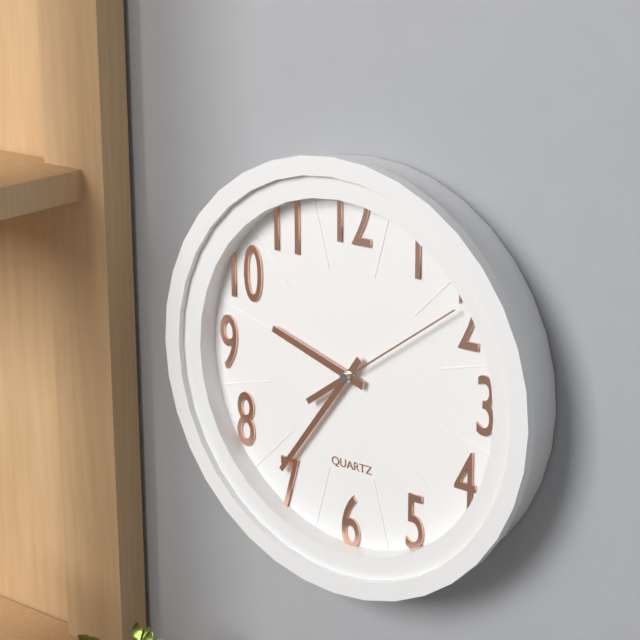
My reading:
9h36m09s
